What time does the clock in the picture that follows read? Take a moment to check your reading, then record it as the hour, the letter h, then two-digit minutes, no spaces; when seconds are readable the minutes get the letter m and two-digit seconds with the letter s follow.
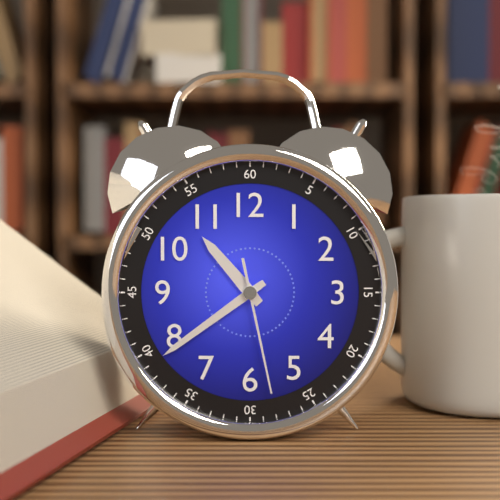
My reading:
10h39m28s
